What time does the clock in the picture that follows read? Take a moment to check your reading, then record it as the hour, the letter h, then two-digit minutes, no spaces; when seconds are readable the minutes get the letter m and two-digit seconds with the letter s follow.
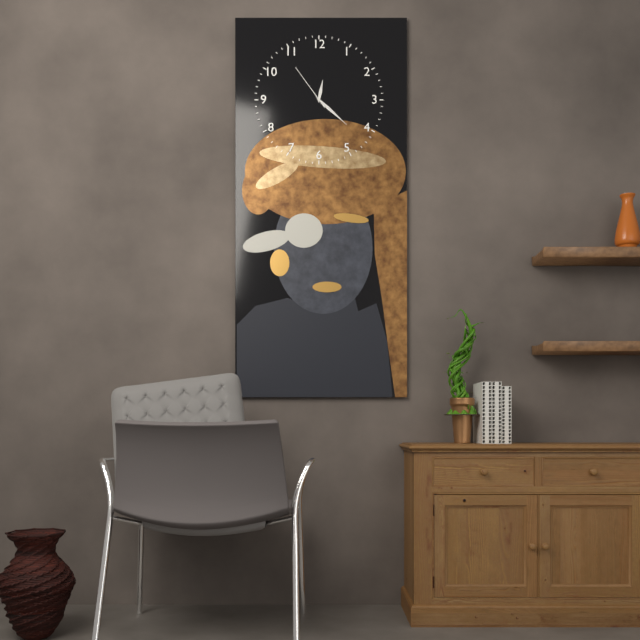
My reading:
12h22
